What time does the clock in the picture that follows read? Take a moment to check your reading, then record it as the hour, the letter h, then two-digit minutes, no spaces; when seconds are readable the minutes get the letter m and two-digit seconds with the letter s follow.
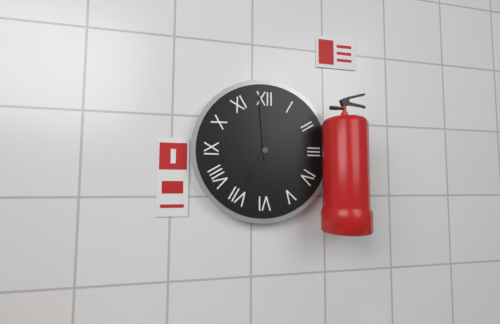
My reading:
6h59
